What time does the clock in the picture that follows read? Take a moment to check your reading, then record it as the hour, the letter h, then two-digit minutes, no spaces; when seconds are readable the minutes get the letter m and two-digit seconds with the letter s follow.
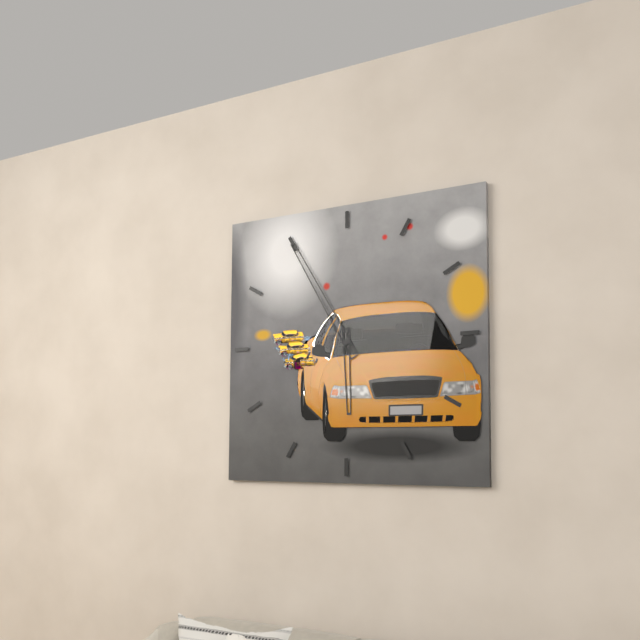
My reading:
5h55
